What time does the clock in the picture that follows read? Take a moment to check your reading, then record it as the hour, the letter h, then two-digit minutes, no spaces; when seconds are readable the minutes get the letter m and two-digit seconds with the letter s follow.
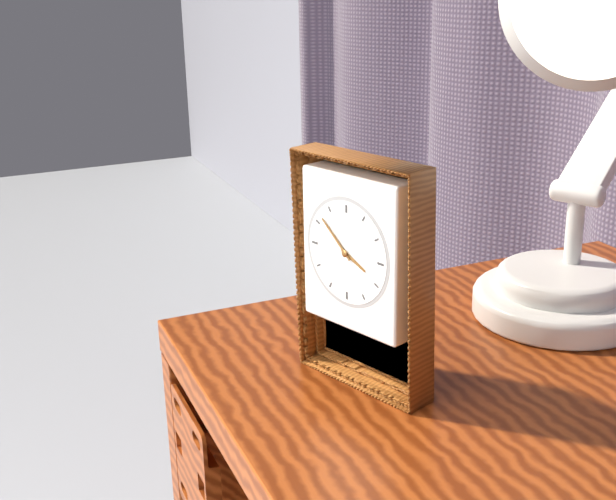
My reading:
3h52
